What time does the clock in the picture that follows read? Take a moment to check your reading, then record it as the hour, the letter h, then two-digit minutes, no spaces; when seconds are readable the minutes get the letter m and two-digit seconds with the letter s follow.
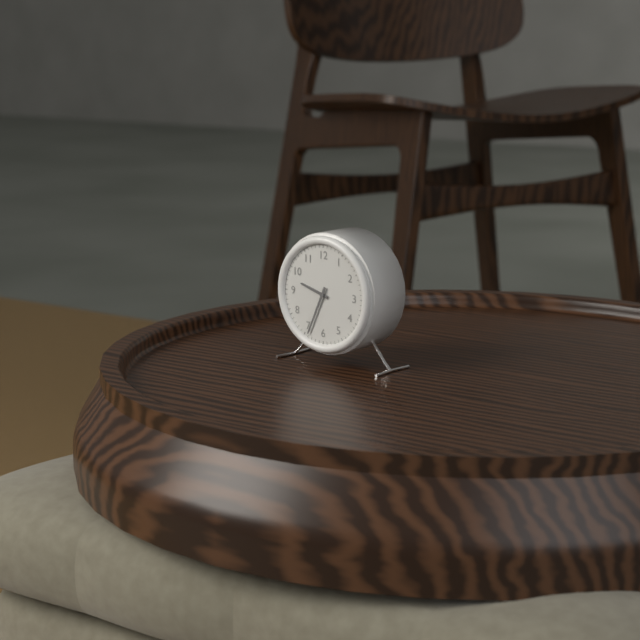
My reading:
9h34
